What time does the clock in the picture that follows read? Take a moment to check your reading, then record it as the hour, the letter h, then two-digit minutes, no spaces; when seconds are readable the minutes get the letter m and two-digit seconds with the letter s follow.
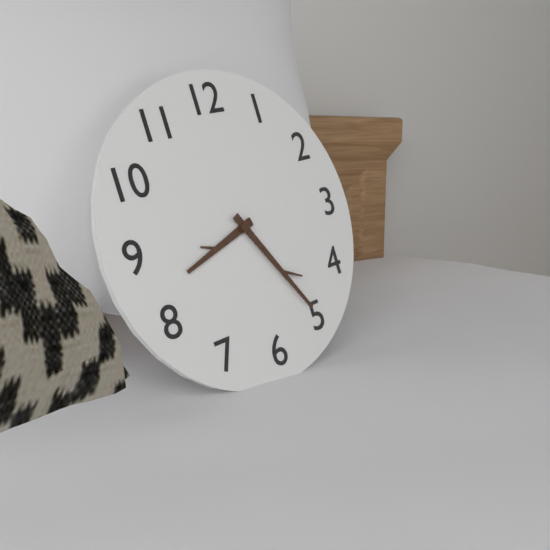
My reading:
8h25
